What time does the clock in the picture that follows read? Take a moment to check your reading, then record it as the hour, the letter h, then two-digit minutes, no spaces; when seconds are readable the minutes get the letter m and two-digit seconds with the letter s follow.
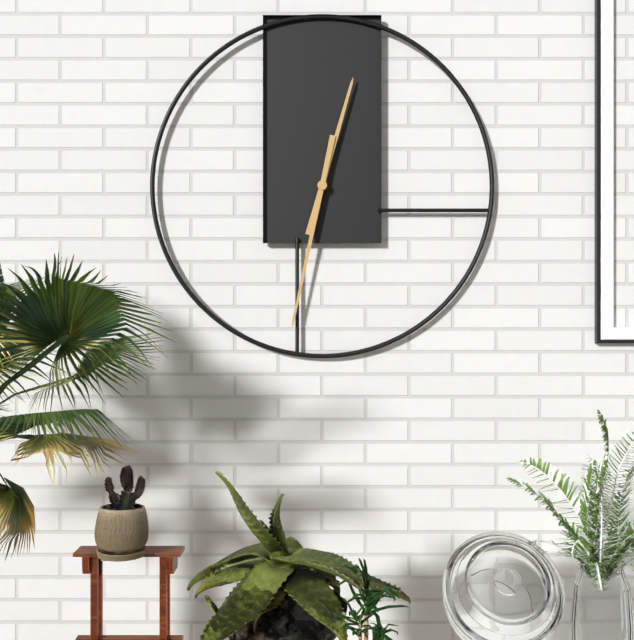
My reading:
12h32
